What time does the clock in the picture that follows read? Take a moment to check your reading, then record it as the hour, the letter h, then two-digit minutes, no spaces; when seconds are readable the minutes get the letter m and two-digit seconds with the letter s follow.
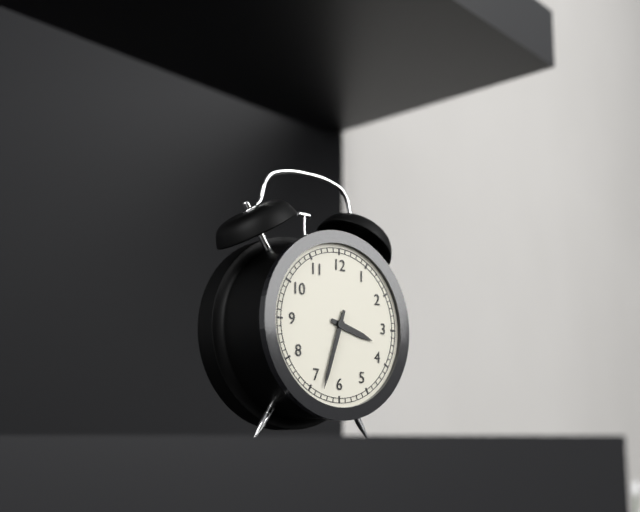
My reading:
3h33
